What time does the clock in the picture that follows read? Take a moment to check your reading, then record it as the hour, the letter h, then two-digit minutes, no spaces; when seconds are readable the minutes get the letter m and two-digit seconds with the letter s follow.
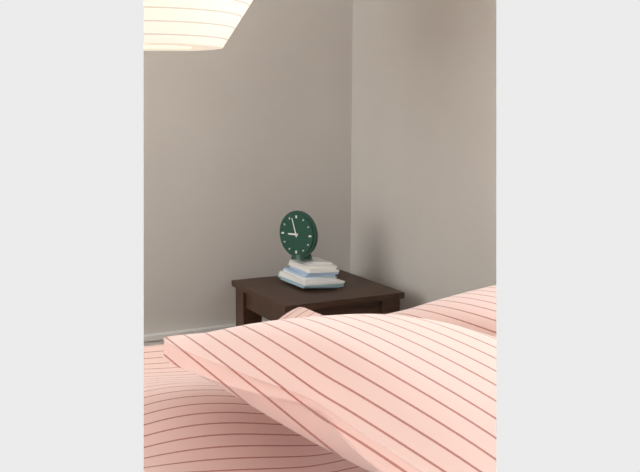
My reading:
8h57
